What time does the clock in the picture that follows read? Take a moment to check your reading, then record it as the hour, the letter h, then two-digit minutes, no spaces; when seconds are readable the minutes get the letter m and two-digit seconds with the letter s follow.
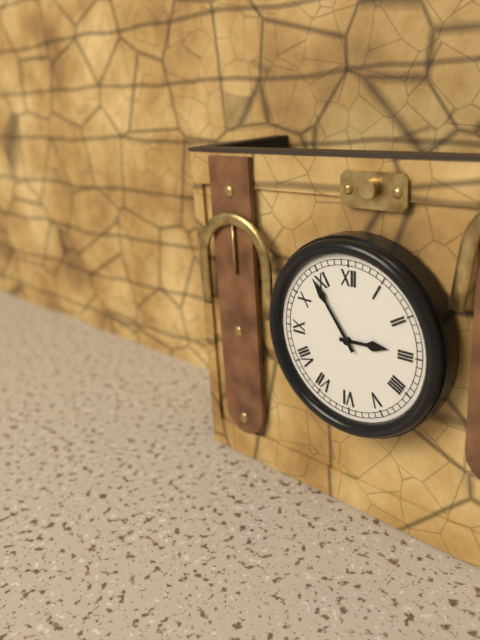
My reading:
2h54
